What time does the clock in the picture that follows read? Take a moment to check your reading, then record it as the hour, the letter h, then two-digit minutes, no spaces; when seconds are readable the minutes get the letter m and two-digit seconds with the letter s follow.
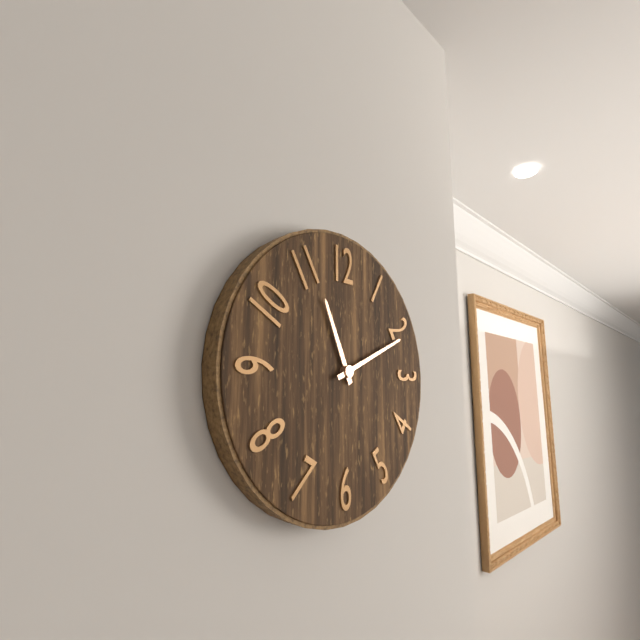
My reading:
11h11
